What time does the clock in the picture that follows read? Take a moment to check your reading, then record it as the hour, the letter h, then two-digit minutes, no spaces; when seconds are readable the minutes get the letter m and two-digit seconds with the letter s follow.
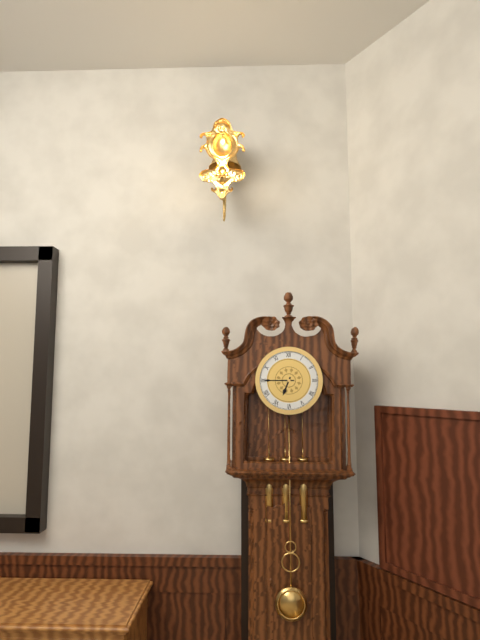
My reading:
6h45
